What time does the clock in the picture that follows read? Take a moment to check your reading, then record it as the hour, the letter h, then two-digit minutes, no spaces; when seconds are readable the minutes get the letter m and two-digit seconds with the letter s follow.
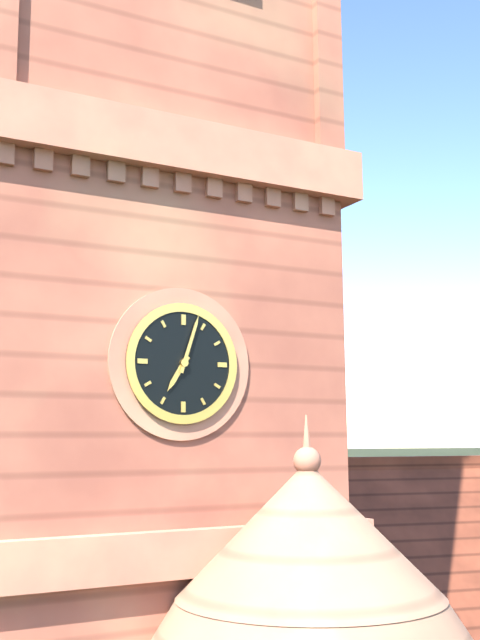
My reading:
7h03
